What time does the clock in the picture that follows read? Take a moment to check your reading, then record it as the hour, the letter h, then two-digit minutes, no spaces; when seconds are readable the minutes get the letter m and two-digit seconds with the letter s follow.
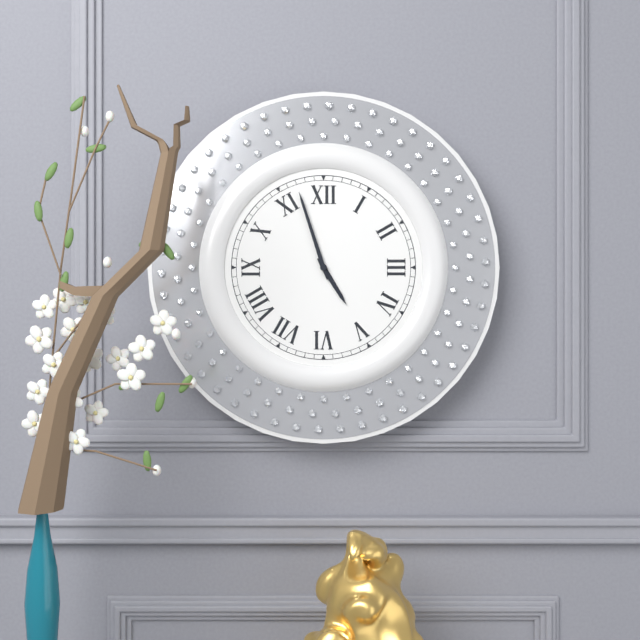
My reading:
4h57
